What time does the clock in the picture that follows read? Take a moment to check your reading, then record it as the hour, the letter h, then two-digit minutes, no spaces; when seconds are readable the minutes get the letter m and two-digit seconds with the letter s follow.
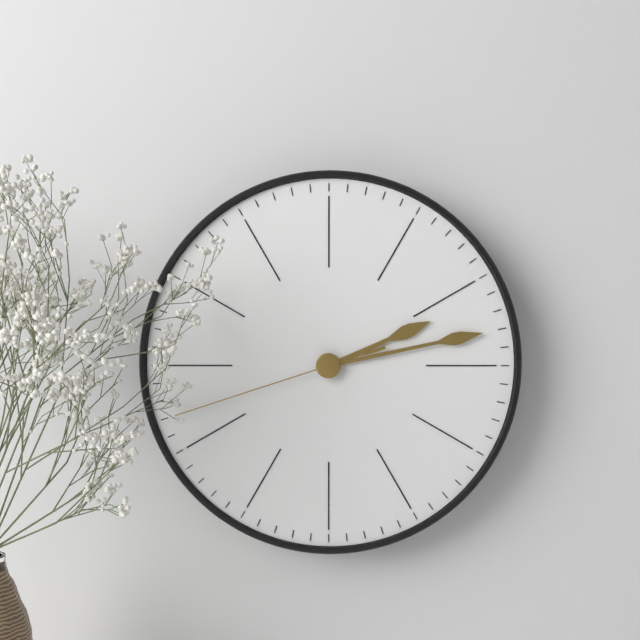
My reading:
2h13m42s
